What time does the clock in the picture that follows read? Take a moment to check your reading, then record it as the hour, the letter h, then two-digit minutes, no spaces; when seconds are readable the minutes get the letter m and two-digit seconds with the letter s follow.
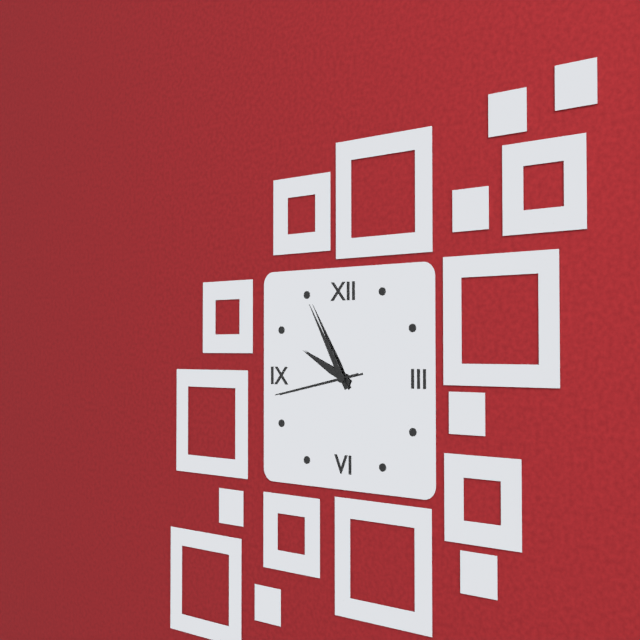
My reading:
9h55m43s
